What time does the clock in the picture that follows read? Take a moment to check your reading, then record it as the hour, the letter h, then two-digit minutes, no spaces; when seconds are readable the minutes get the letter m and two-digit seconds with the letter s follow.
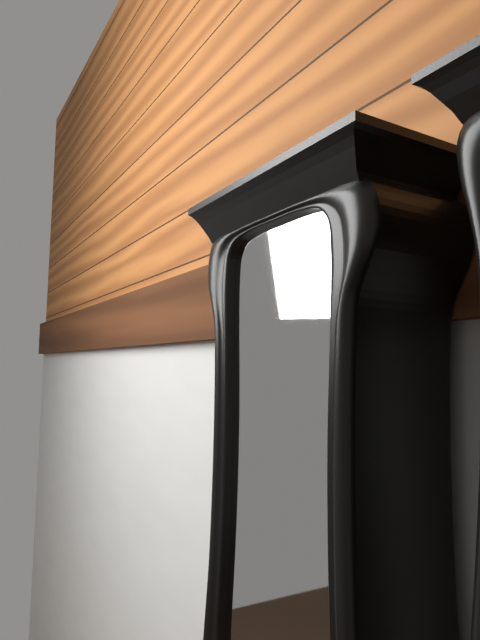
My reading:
8h26
